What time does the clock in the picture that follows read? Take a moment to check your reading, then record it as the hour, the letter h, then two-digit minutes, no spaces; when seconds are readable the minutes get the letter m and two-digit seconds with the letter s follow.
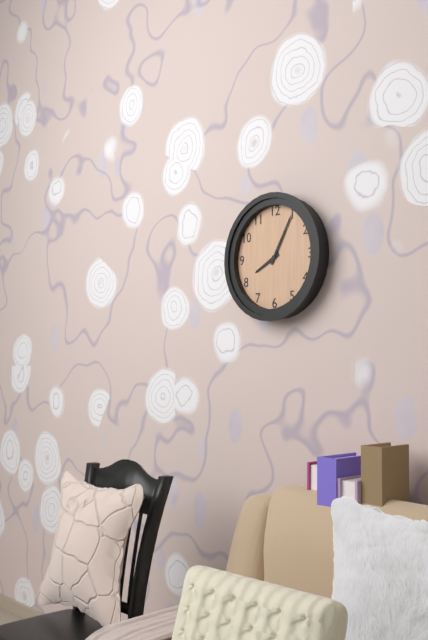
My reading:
8h05
